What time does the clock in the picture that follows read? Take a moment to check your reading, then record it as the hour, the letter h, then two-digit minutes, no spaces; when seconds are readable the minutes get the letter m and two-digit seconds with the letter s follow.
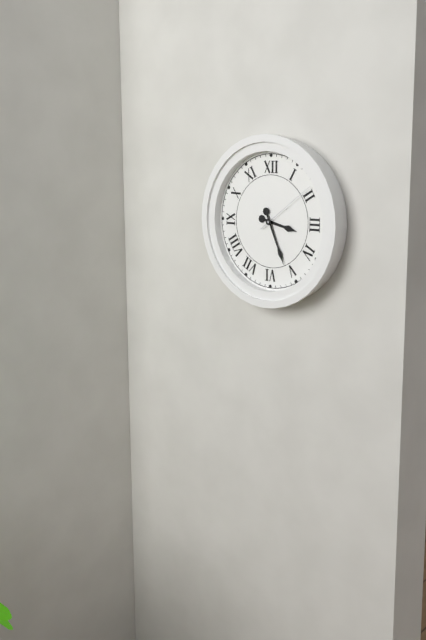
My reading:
3h26m09s
